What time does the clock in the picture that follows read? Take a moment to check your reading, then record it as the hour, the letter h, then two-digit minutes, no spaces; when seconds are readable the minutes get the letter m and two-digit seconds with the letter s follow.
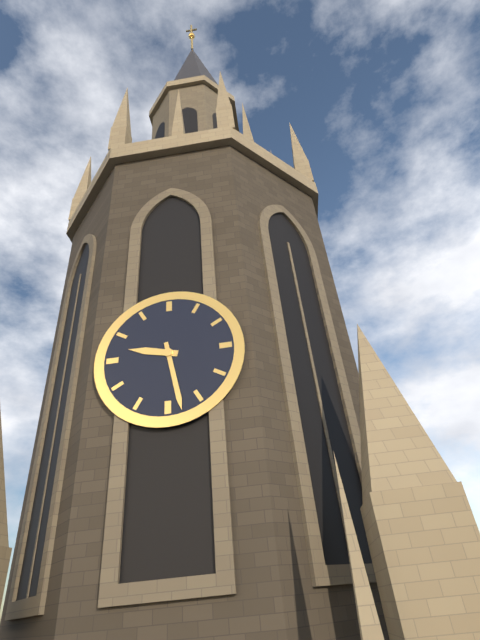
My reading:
9h28
